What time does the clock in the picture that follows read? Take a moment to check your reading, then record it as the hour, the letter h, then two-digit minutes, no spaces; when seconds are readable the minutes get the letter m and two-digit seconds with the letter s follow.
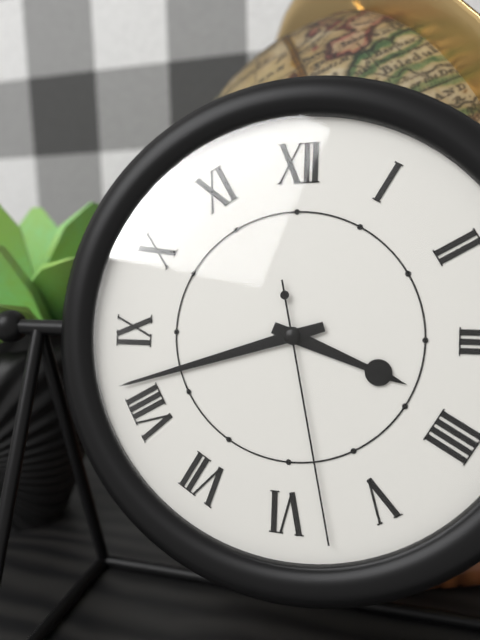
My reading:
3h42m28s
